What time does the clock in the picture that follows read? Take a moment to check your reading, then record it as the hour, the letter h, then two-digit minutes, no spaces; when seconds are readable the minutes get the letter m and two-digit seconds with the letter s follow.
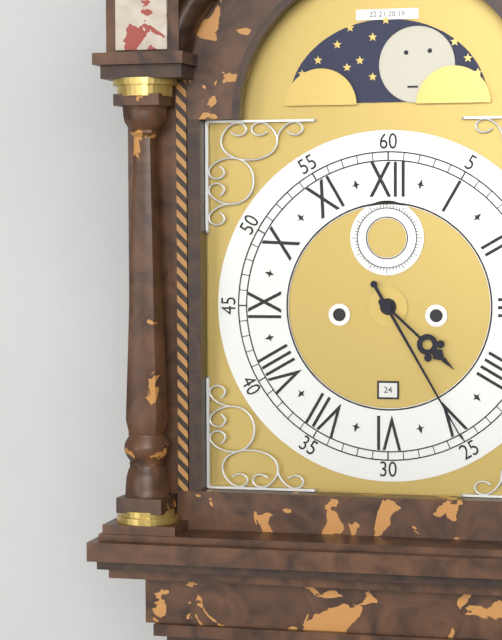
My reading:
4h25
